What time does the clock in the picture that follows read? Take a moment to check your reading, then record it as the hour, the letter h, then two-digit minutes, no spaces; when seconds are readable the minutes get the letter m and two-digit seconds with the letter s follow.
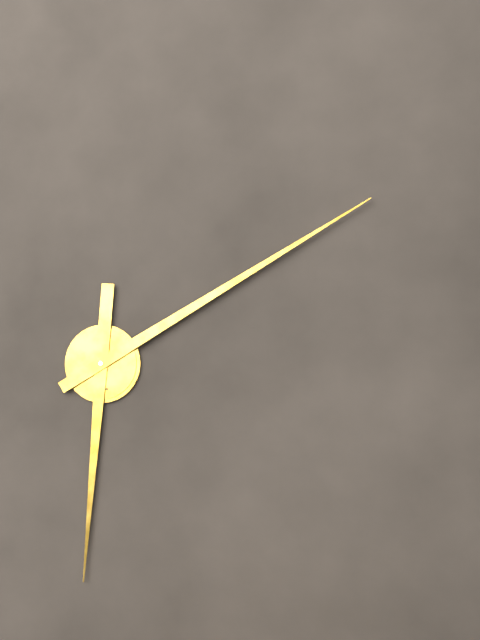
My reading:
6h10
